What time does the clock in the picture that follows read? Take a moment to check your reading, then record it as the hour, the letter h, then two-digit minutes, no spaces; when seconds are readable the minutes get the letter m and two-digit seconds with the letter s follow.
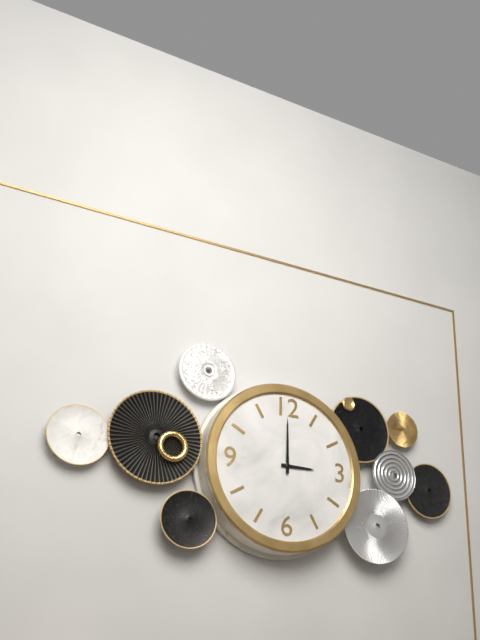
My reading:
3h00
